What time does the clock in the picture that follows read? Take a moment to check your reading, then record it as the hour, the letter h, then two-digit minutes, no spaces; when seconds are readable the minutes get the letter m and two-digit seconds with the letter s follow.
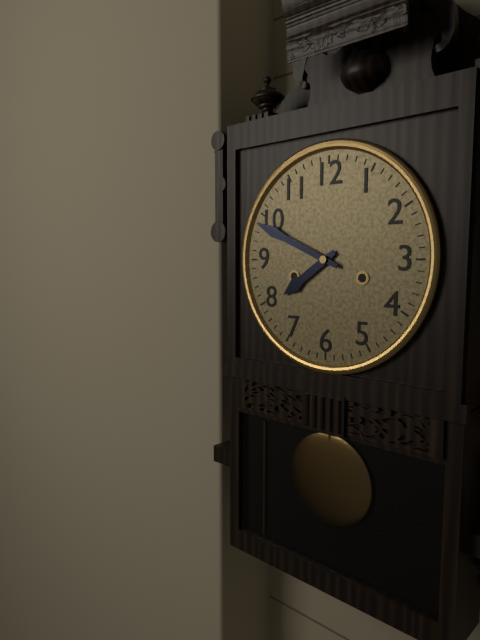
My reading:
7h49
